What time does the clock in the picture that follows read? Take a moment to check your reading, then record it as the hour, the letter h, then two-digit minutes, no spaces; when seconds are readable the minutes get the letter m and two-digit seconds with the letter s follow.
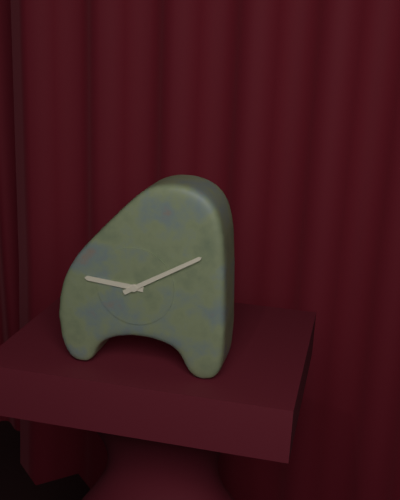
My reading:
9h10
